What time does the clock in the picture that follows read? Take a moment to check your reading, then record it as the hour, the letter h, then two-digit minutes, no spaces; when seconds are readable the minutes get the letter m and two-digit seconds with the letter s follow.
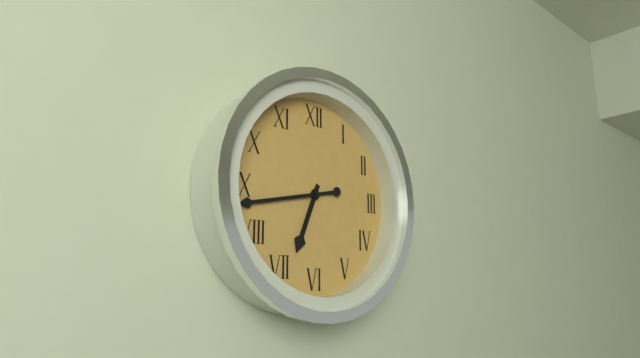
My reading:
6h43
